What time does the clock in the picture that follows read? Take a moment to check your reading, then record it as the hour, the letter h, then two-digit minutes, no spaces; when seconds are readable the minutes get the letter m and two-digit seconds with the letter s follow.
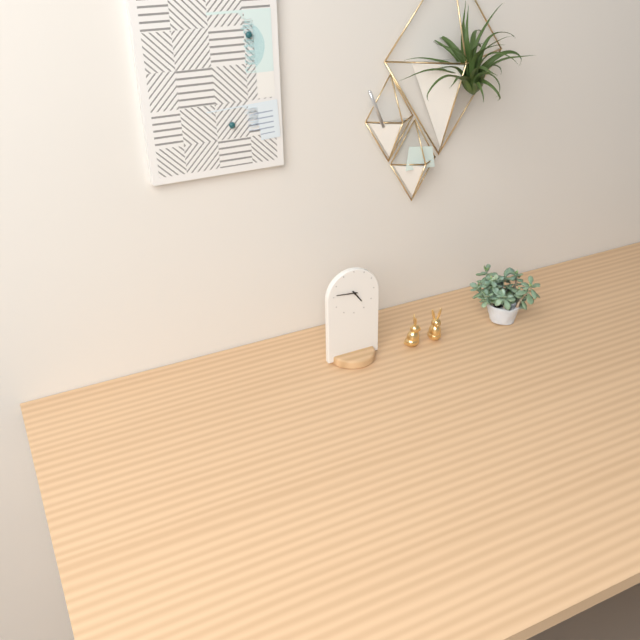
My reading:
4h46
